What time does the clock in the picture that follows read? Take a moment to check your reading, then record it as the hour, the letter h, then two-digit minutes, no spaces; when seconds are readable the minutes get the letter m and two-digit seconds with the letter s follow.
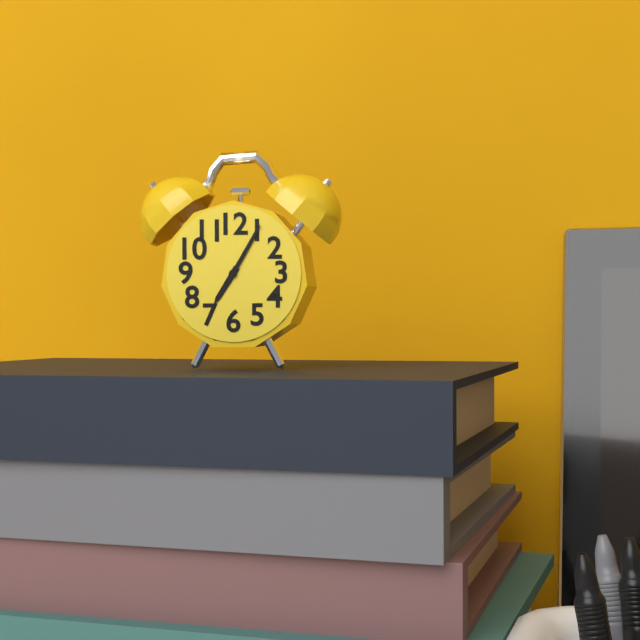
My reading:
7h05
